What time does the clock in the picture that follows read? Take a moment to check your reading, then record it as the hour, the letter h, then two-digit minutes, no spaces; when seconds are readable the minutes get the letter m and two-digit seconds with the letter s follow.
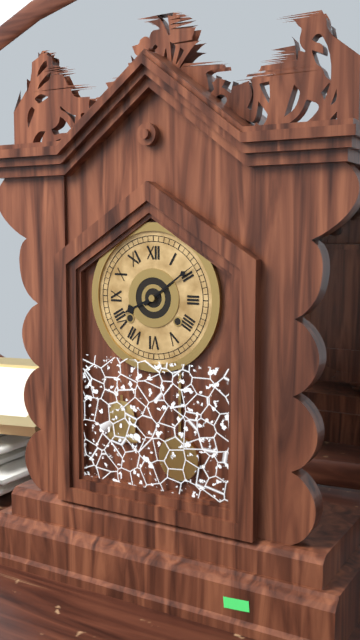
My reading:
8h09
